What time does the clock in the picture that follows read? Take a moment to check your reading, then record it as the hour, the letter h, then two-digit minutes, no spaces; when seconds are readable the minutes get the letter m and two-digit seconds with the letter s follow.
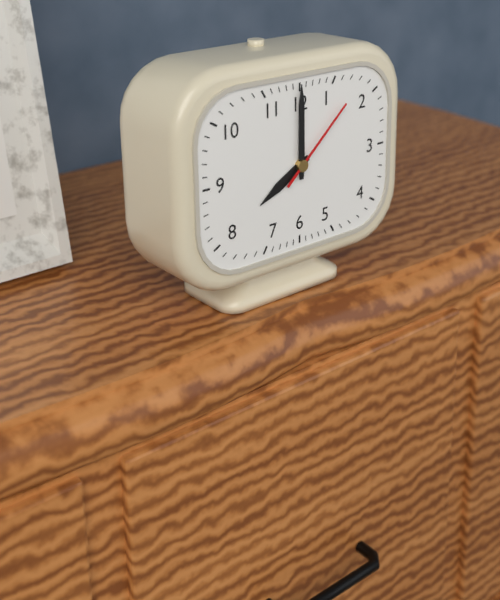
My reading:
8h00m08s
